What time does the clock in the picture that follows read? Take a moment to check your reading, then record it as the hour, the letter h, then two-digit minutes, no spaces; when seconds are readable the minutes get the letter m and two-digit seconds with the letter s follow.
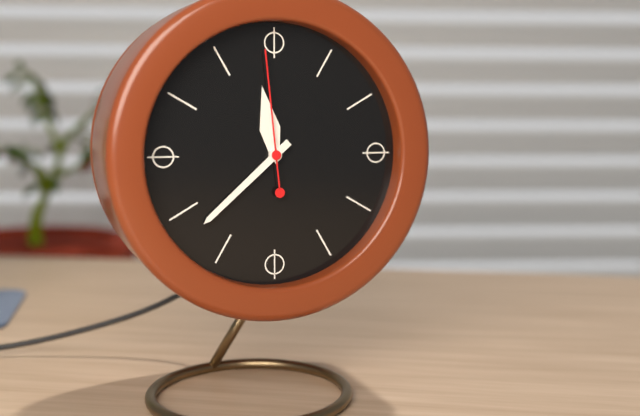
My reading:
11h38m59s
